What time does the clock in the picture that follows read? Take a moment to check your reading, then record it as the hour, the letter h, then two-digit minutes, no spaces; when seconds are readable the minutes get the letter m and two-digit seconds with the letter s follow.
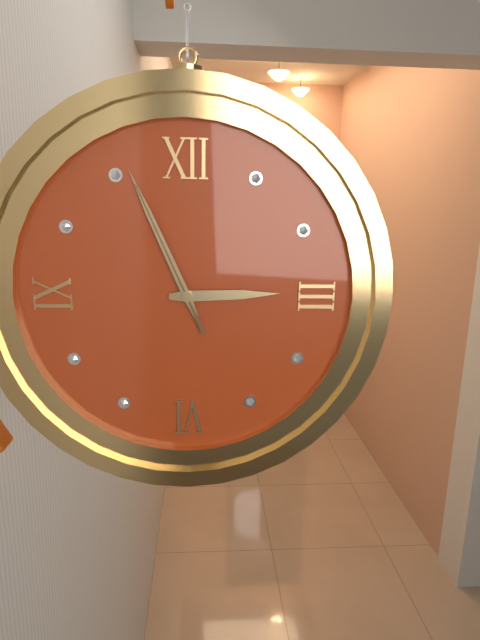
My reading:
2h56m56s
